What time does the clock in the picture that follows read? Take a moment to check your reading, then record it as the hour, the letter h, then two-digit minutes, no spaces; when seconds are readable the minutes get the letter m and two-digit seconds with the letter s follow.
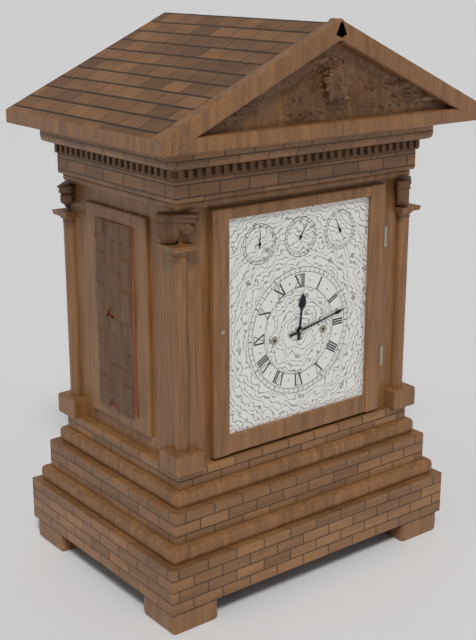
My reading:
12h13
